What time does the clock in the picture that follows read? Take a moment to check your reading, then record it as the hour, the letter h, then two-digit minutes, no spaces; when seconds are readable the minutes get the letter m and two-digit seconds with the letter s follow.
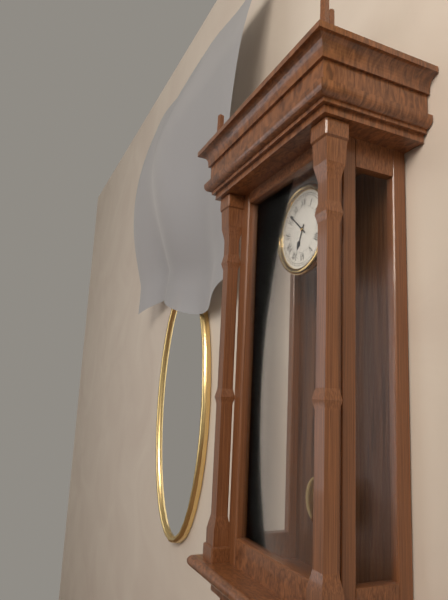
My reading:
6h52
